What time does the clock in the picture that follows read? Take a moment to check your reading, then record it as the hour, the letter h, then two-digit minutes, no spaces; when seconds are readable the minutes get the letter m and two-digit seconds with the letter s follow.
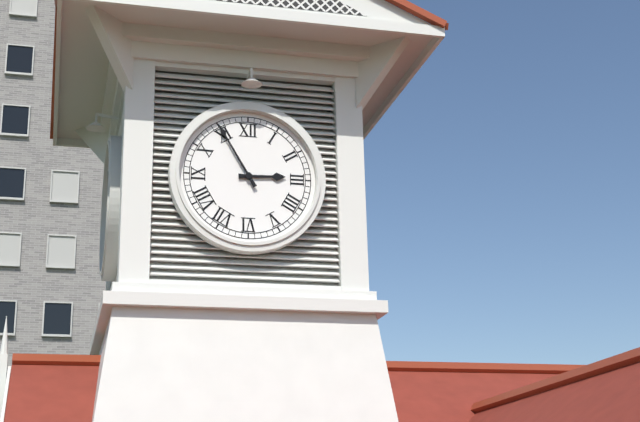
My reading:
2h55
